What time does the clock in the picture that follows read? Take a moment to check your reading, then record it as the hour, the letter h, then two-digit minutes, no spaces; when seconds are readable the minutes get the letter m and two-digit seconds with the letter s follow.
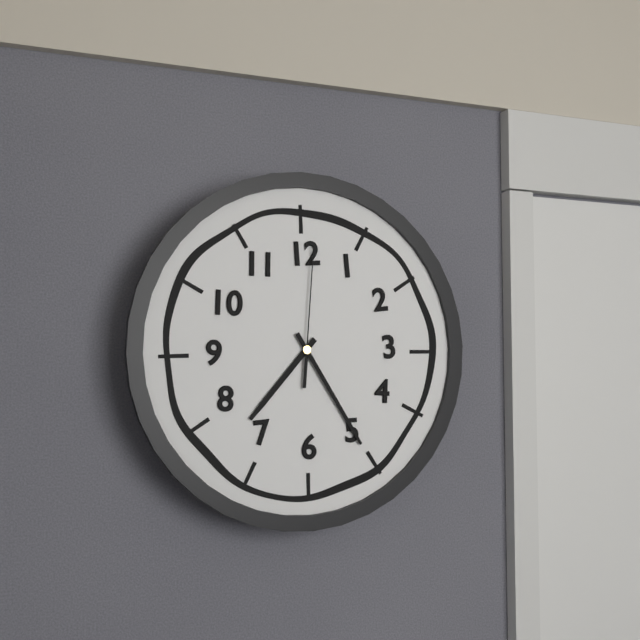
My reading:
7h25m01s
